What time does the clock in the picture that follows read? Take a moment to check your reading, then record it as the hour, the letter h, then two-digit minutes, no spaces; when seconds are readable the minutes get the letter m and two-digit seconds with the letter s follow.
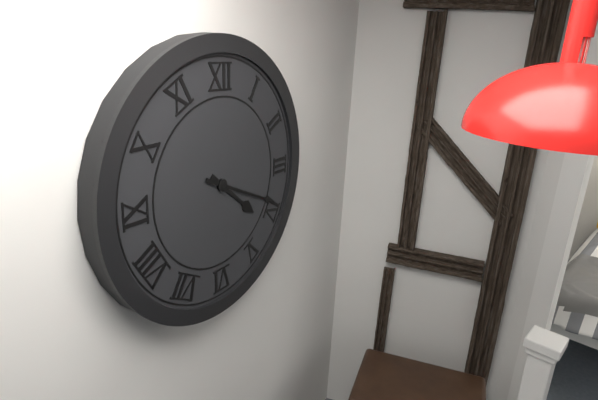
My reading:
4h19
